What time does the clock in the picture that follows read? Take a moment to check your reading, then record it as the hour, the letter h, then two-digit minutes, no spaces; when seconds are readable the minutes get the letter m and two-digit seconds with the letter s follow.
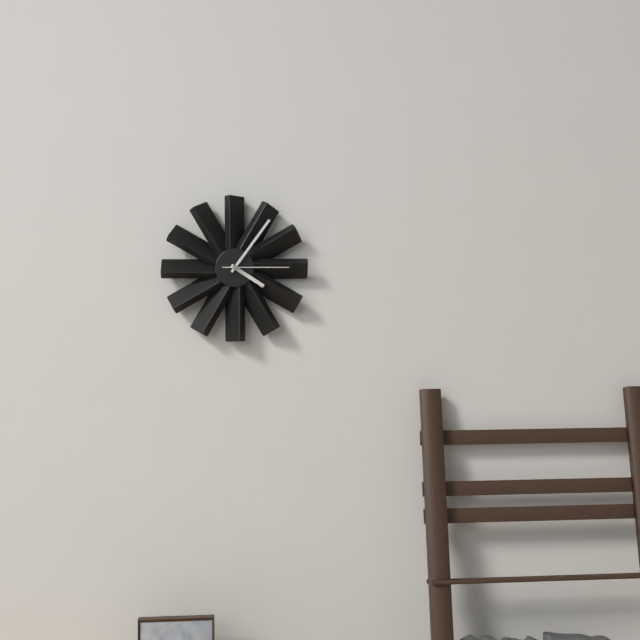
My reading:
4h06m15s
